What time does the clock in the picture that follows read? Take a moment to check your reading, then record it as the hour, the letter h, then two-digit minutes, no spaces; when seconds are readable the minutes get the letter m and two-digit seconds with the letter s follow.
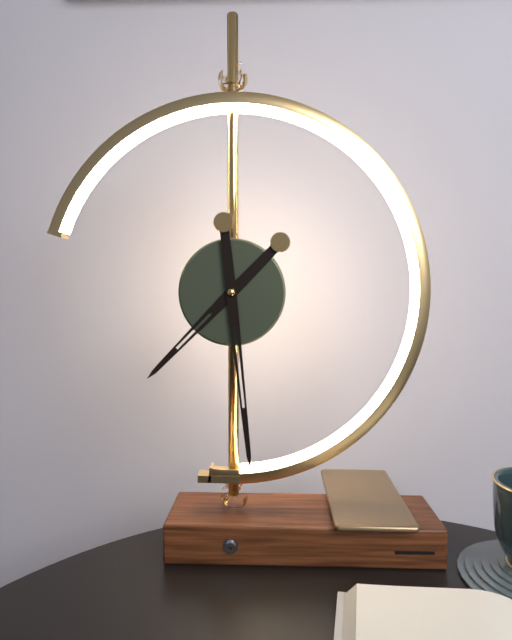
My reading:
7h29
